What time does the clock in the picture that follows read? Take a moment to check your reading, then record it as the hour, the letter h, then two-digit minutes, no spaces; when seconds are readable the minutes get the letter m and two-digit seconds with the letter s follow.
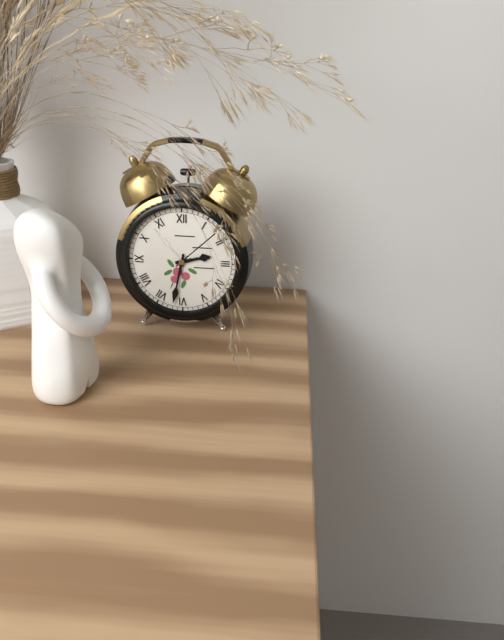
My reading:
2h32
